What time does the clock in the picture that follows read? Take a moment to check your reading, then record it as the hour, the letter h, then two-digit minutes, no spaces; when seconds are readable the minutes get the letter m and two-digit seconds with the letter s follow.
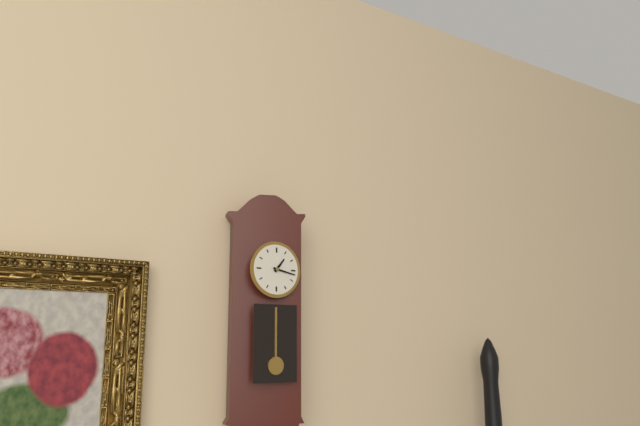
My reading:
1h17
